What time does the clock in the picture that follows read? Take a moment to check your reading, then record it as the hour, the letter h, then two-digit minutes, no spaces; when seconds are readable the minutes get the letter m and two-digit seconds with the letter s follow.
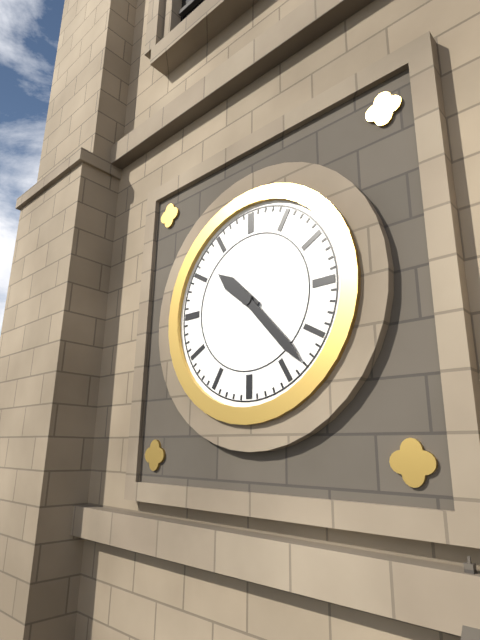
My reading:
10h23
